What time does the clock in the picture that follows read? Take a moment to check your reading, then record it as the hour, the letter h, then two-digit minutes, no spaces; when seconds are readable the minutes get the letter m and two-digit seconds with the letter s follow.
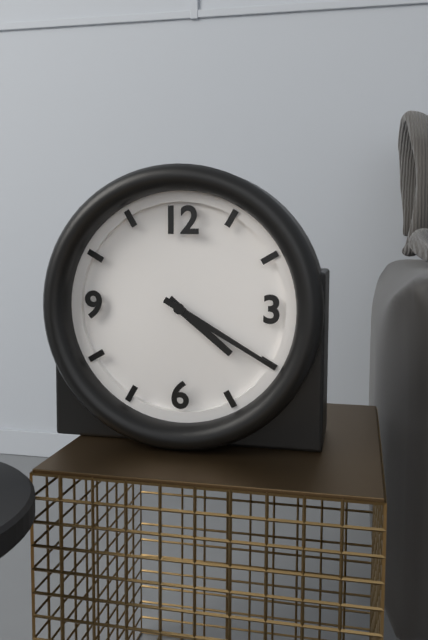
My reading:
4h20
